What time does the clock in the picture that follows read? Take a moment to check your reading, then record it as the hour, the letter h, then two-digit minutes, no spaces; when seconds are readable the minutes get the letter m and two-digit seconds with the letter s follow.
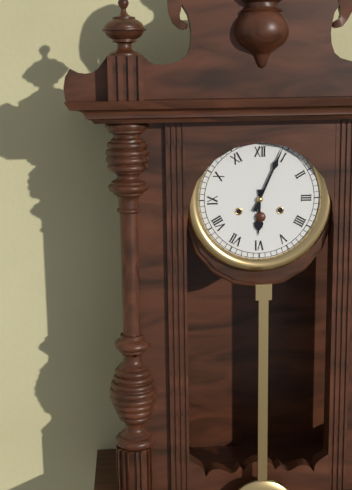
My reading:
6h04
